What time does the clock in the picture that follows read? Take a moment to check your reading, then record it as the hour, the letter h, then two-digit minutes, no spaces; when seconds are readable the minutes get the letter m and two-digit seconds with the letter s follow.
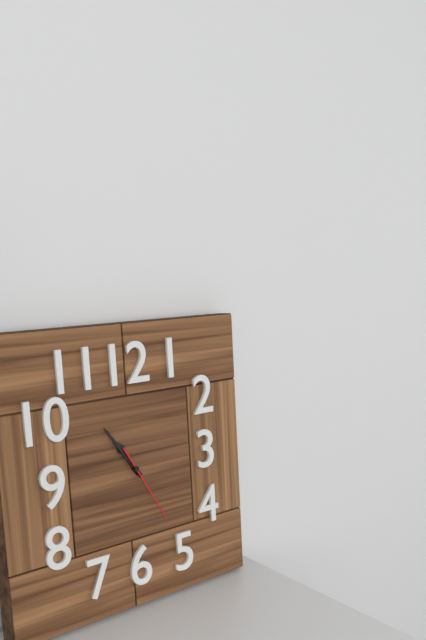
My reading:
10h54m25s
